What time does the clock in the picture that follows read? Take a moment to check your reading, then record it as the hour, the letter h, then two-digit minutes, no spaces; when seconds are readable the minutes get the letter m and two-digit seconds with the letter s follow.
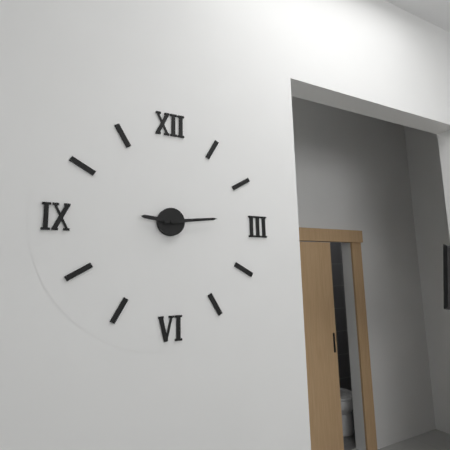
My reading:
9h14
